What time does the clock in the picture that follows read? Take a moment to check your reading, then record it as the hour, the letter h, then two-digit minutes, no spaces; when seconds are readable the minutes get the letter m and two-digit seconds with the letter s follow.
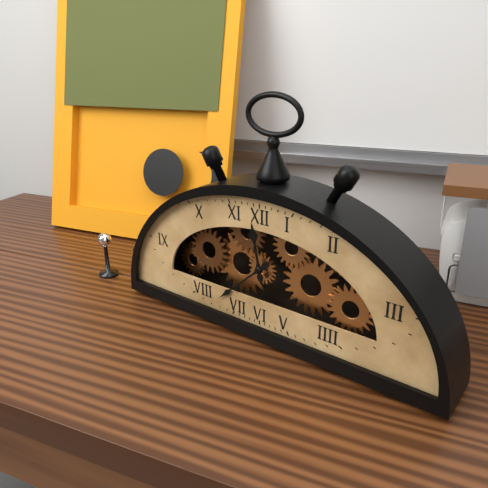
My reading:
11h38
